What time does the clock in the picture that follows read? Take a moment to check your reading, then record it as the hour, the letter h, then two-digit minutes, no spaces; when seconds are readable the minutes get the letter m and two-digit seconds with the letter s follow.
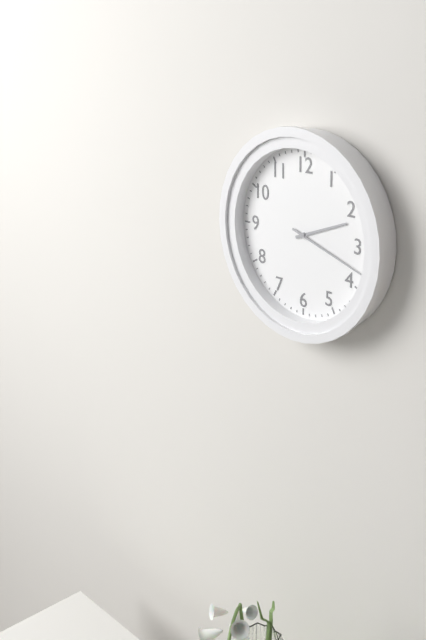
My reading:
2h18
